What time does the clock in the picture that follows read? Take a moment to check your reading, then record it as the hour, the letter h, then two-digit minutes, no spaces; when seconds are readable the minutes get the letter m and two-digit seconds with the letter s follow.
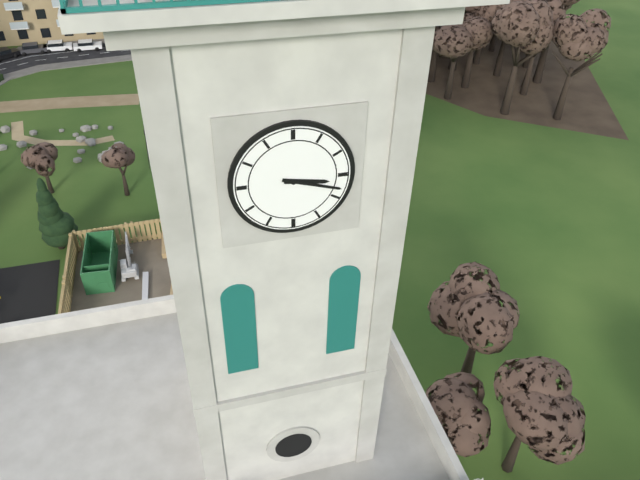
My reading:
3h18
